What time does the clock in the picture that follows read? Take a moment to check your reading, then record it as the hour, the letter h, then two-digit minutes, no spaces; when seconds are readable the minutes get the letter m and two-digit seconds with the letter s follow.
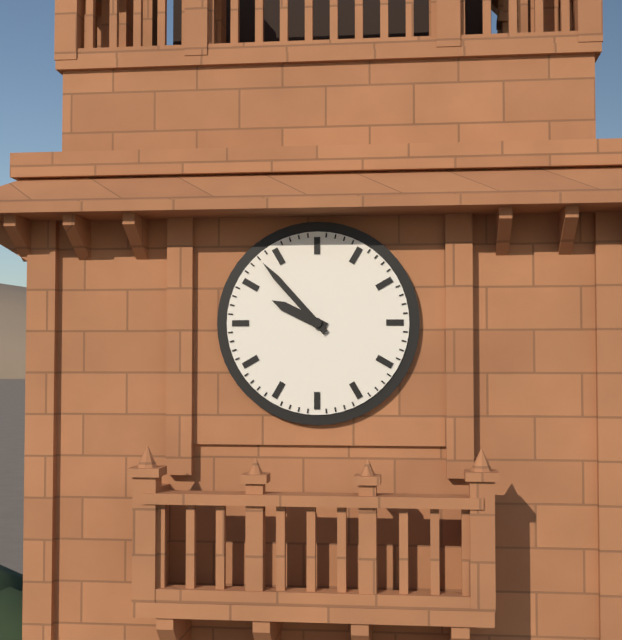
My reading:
9h53
